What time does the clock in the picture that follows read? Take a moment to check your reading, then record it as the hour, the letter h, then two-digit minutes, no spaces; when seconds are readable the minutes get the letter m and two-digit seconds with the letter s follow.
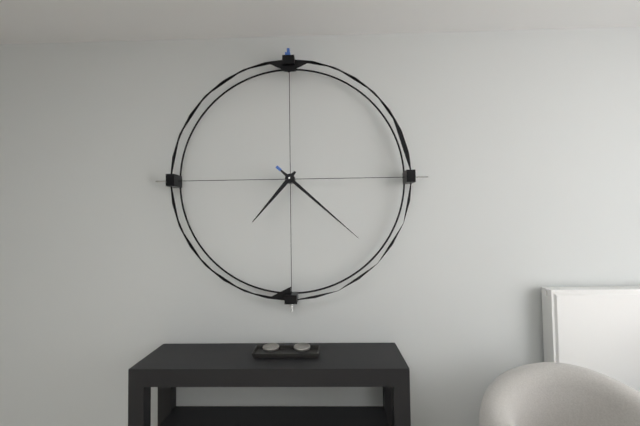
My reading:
7h22
